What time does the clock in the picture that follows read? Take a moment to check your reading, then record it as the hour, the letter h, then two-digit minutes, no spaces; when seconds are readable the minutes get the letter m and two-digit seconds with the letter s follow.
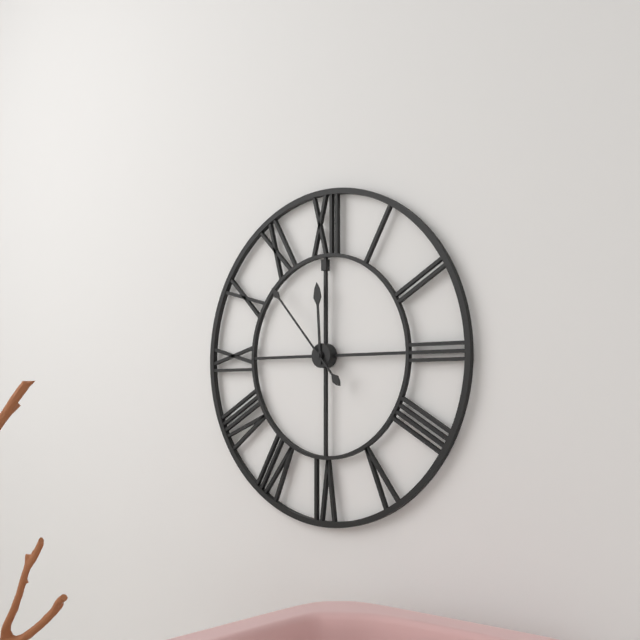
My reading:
11h53
